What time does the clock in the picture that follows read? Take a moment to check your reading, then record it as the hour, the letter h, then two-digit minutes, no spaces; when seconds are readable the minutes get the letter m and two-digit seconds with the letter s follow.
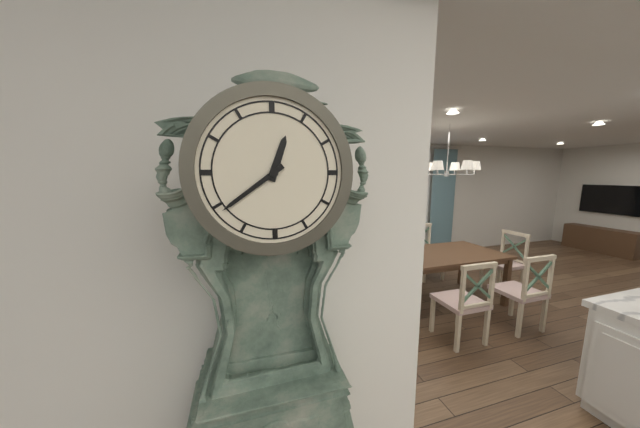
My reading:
12h39
